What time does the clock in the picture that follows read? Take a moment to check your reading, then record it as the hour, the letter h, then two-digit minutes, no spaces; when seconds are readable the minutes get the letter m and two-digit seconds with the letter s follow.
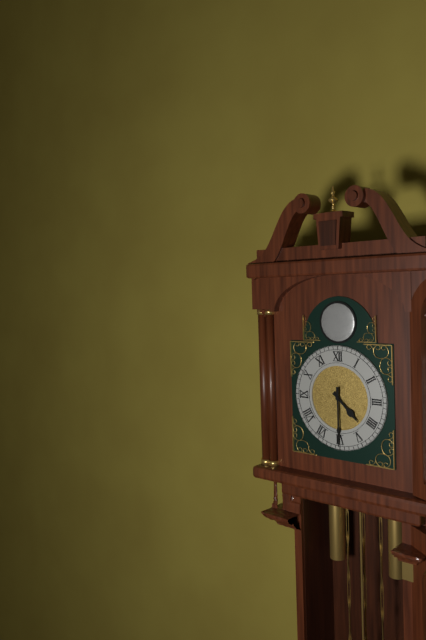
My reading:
4h30
